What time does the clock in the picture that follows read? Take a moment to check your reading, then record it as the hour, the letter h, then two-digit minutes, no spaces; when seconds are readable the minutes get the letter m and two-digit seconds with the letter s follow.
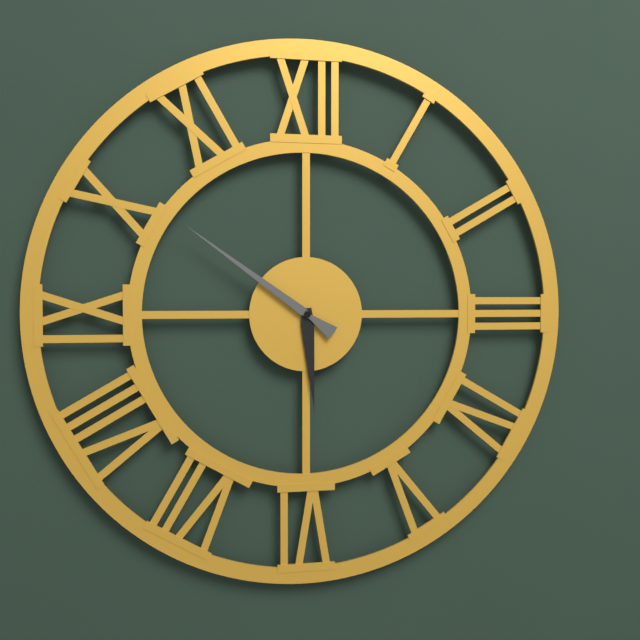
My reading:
5h51
